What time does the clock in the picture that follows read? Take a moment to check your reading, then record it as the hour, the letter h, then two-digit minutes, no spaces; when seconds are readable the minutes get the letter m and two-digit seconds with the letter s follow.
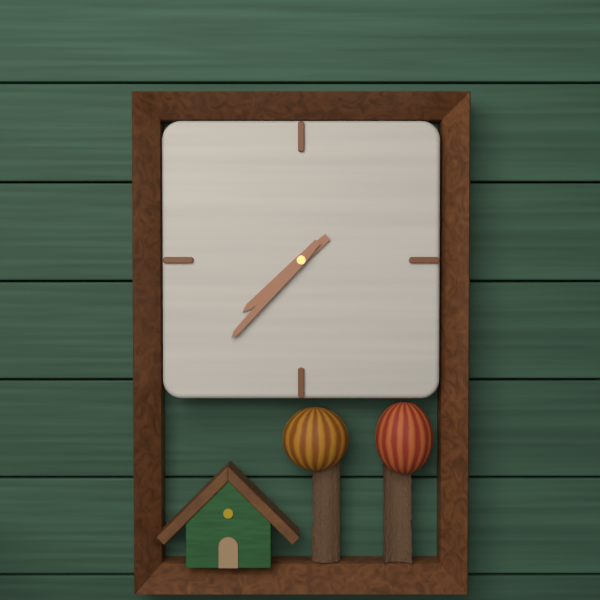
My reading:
7h37
